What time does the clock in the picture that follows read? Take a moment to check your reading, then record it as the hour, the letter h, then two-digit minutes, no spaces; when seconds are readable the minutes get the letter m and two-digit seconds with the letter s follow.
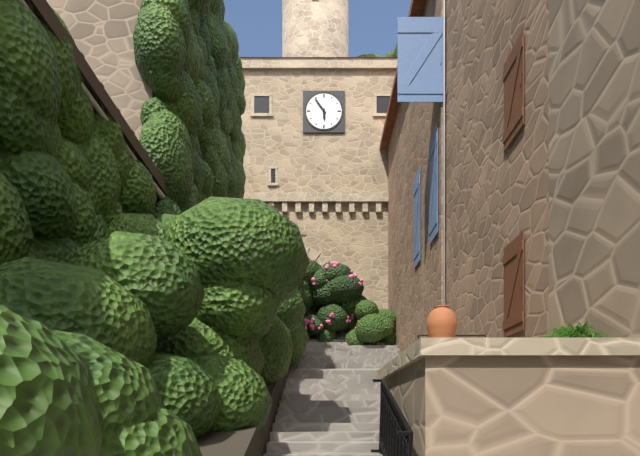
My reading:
5h54
